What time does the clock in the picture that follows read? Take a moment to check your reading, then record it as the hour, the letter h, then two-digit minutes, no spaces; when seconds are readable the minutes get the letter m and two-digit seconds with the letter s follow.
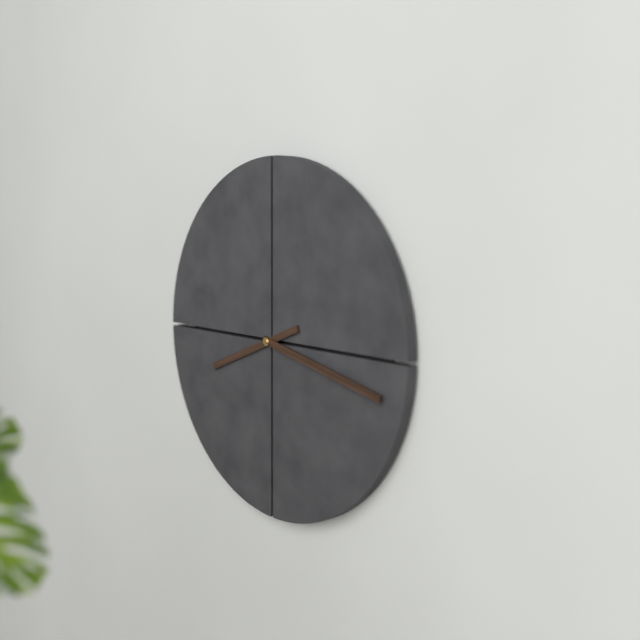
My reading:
8h17
